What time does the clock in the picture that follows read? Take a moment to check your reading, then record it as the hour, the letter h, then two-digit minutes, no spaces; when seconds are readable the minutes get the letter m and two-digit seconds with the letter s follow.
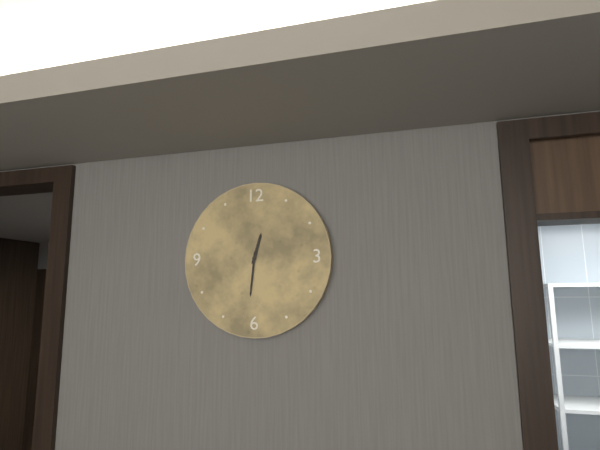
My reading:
12h31
